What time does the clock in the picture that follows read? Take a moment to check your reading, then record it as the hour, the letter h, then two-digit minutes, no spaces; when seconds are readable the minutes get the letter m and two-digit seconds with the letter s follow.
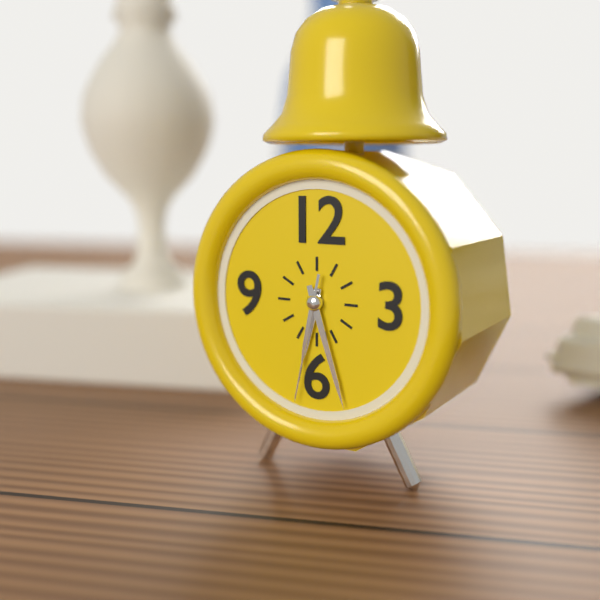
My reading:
6h27m32s
